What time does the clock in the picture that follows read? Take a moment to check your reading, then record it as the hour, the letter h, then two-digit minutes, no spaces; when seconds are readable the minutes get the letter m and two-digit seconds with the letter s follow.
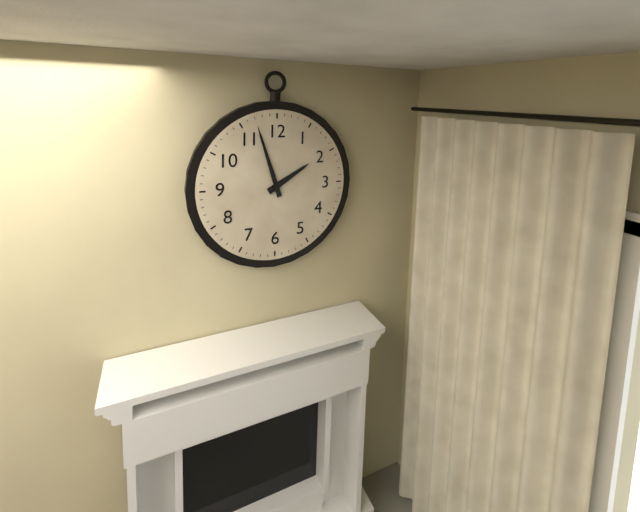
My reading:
1h57
